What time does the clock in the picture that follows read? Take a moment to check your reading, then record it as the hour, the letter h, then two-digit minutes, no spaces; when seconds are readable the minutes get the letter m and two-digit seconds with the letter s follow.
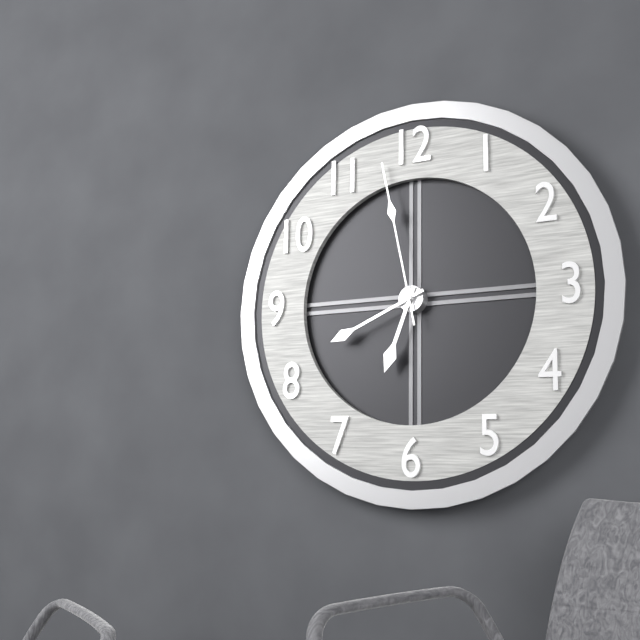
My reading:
6h41m58s
